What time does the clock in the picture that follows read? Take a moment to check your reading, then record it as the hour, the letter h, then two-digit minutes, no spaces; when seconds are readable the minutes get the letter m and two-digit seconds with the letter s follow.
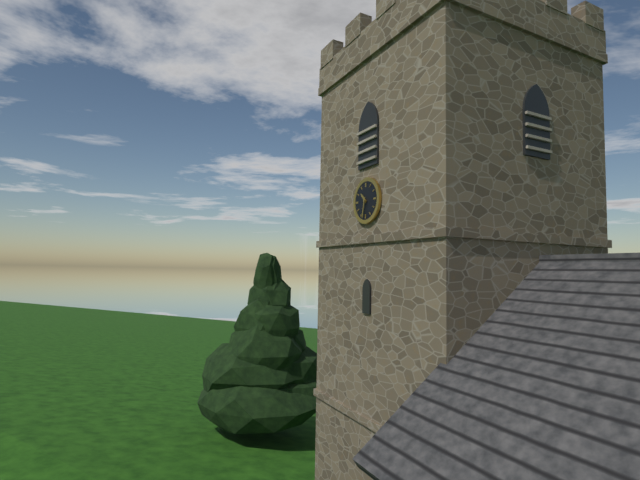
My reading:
10h32
